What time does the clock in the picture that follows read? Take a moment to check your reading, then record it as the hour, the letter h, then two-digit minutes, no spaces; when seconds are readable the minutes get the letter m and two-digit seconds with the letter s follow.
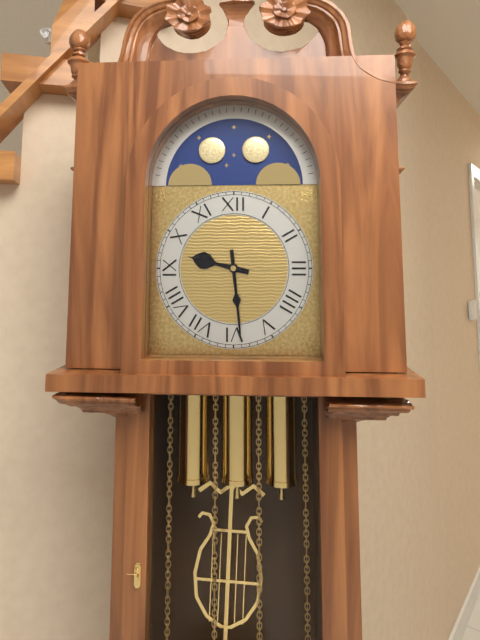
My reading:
9h29
